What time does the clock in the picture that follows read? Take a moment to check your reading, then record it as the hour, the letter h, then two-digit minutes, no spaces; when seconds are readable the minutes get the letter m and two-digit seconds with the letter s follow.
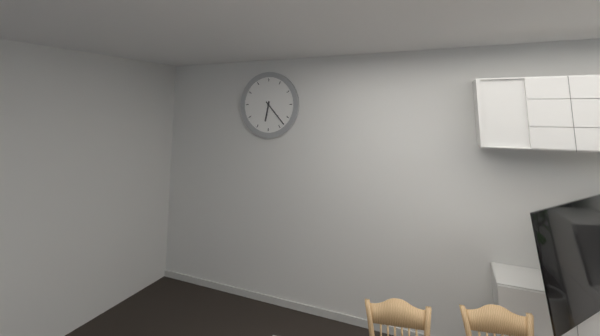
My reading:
6h23
